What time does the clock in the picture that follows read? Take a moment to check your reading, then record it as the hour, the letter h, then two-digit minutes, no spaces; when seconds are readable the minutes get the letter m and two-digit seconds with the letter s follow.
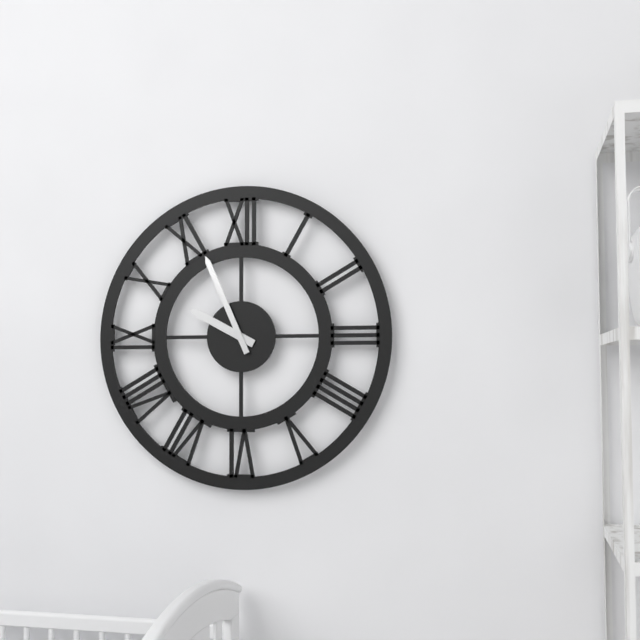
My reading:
9h56
